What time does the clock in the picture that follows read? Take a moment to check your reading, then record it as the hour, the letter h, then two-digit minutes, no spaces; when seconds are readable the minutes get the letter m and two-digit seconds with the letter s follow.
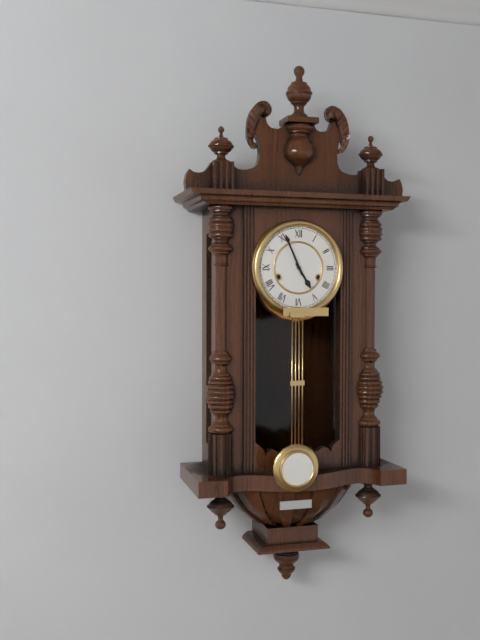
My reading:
4h56
